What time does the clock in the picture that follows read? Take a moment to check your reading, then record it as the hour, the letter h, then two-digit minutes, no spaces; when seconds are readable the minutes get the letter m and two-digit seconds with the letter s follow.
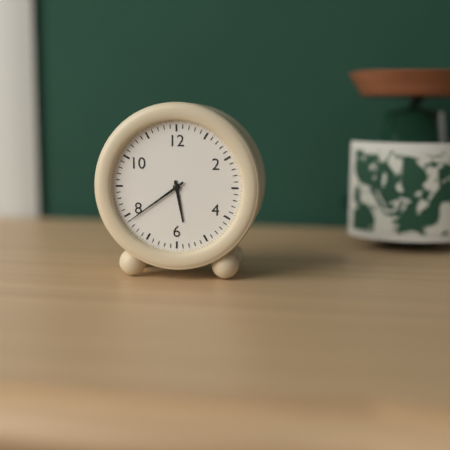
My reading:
5h39
